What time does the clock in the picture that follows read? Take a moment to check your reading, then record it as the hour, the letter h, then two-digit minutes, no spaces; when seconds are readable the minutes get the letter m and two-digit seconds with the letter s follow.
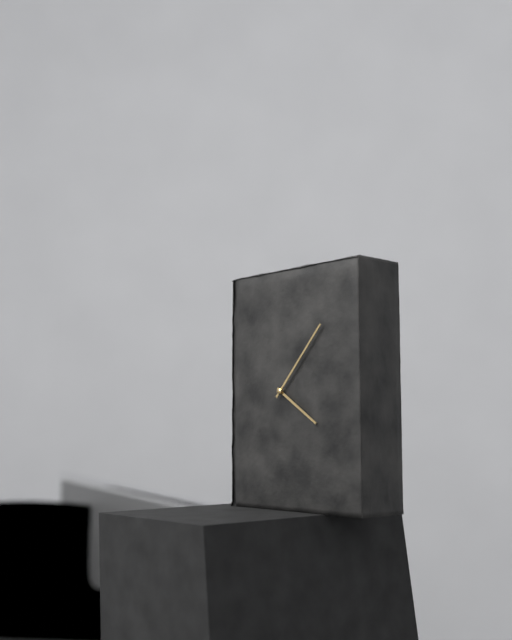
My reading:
4h07
